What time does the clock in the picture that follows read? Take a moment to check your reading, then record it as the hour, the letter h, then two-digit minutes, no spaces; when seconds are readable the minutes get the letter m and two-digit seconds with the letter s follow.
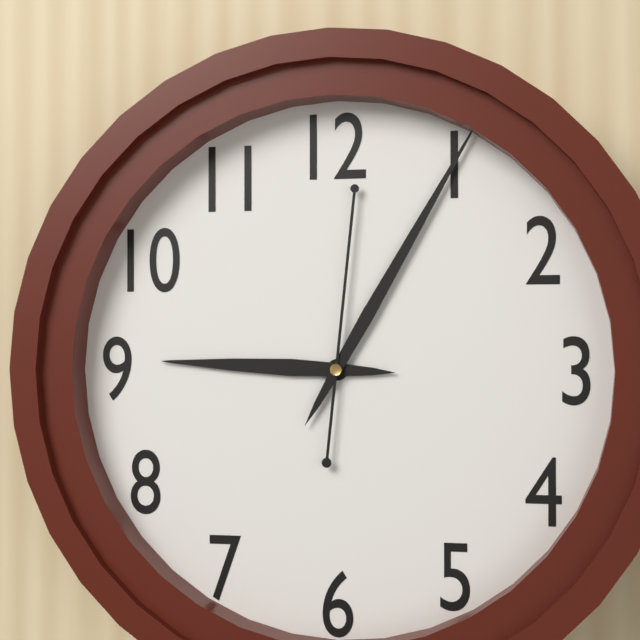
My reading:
9h05m01s
